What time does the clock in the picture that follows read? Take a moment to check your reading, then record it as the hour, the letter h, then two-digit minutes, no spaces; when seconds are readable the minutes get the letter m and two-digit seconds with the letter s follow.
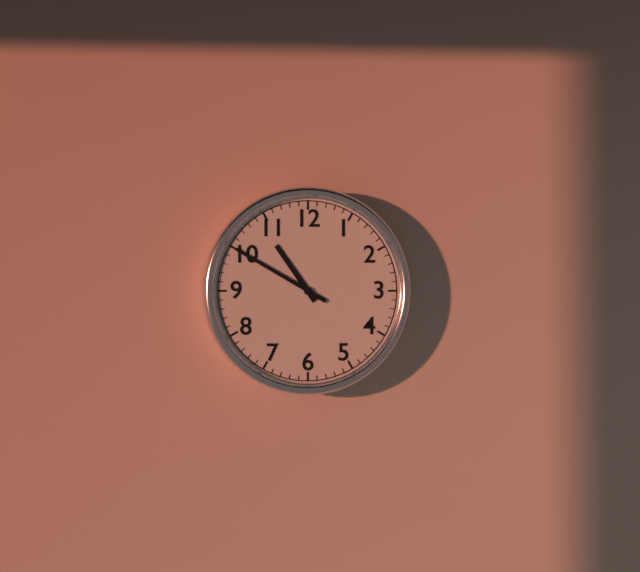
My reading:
10h50
